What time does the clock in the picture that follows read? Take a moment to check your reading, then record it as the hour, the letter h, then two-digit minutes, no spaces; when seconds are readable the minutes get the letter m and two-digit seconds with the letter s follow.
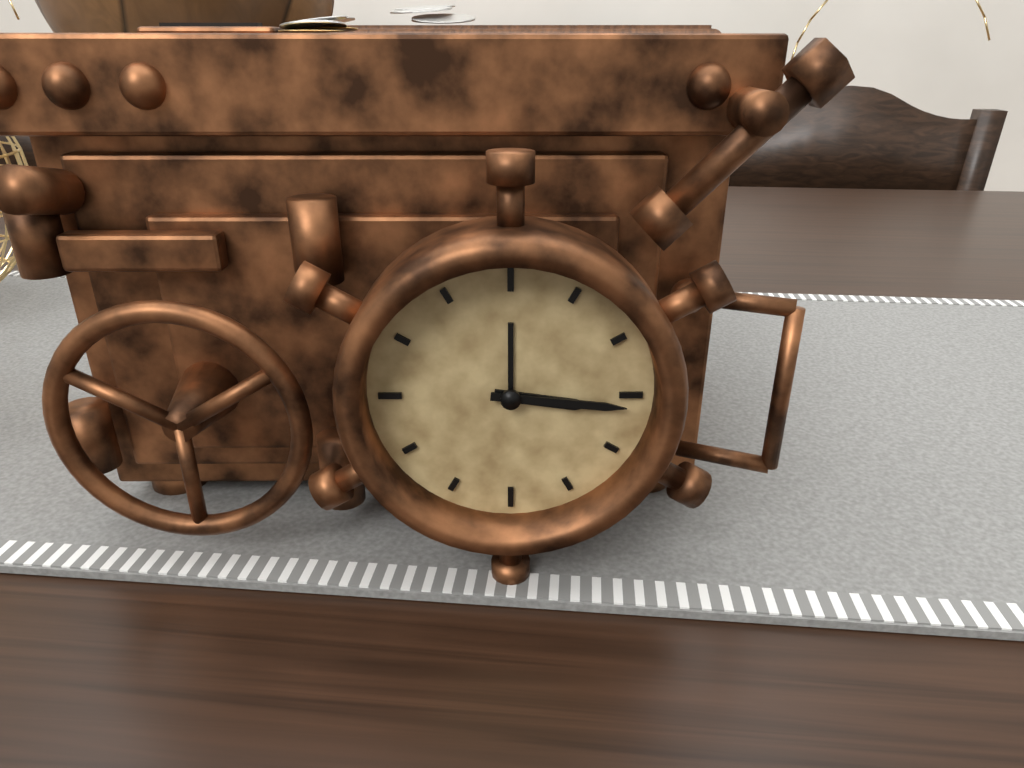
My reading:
3h16
